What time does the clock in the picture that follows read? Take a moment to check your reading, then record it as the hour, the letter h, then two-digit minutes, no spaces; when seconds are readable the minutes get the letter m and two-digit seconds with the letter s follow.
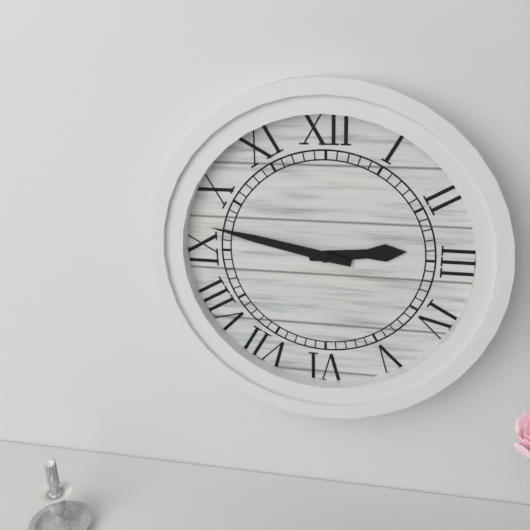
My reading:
2h47
